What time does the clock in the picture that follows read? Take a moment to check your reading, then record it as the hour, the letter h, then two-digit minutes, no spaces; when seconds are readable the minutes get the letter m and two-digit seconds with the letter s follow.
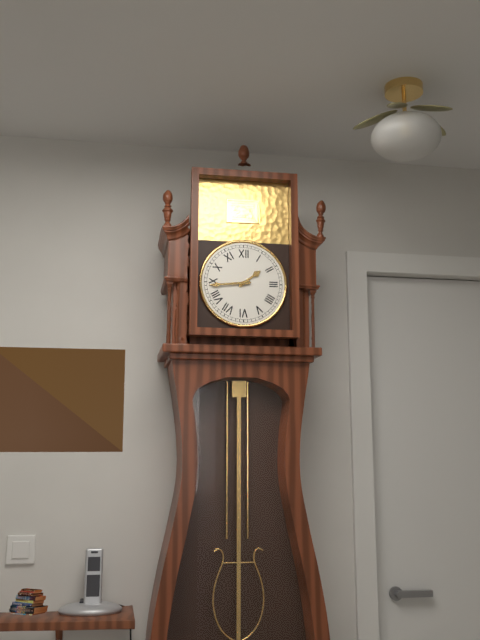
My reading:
1h44
